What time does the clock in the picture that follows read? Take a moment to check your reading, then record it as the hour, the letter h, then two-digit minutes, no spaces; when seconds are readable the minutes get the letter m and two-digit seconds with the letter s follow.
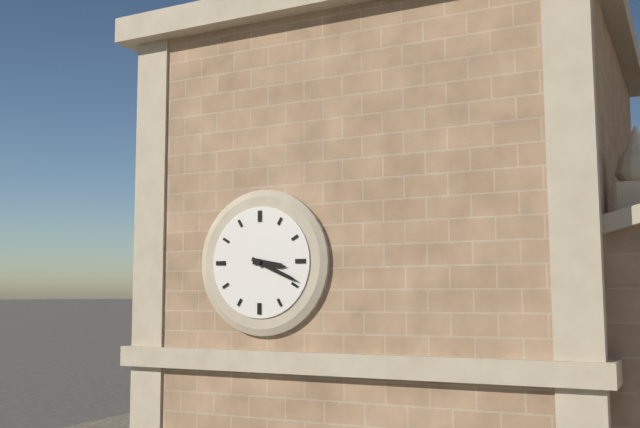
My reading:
3h19
